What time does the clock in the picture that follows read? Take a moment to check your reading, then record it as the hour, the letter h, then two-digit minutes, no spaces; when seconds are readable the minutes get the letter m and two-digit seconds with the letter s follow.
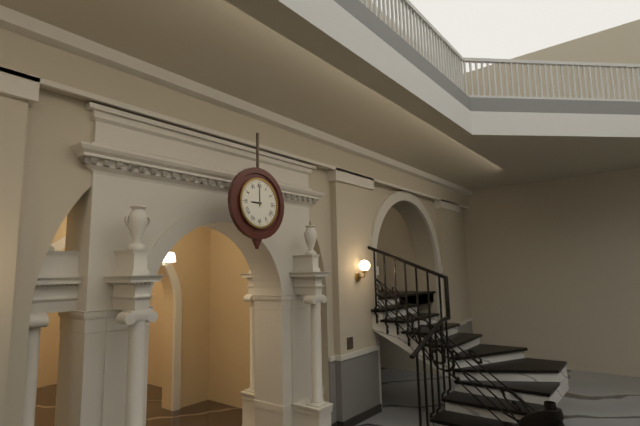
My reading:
9h00
